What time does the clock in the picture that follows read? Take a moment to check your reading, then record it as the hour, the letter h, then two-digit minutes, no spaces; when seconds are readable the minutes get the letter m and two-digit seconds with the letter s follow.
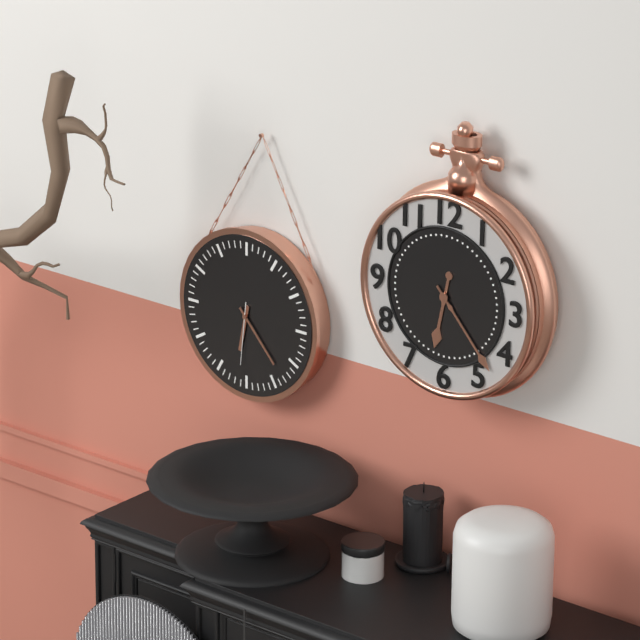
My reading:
6h23m31s
